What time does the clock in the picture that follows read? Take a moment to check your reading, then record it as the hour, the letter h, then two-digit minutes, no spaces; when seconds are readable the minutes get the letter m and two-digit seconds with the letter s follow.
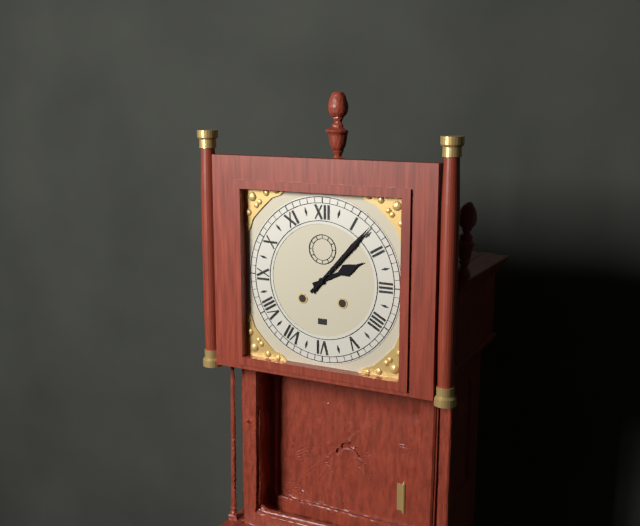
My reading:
2h07
